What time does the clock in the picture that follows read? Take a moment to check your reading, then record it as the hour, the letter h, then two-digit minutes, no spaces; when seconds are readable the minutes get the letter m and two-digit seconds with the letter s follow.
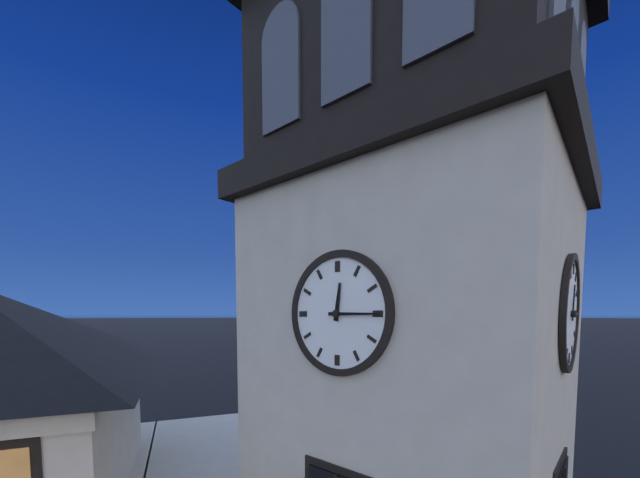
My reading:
12h15
